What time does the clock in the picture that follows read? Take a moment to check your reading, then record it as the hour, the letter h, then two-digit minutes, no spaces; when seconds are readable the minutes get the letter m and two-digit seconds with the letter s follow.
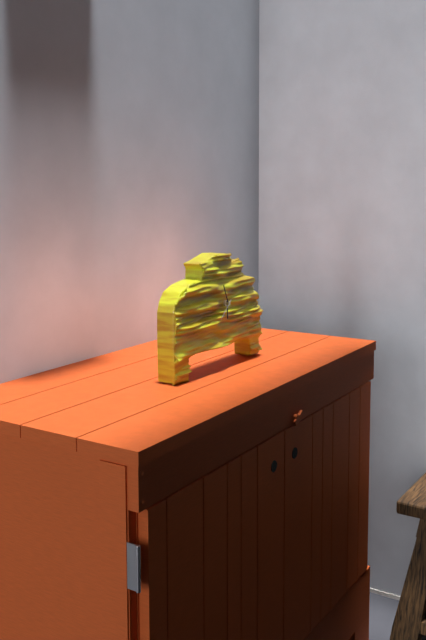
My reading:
5h56
